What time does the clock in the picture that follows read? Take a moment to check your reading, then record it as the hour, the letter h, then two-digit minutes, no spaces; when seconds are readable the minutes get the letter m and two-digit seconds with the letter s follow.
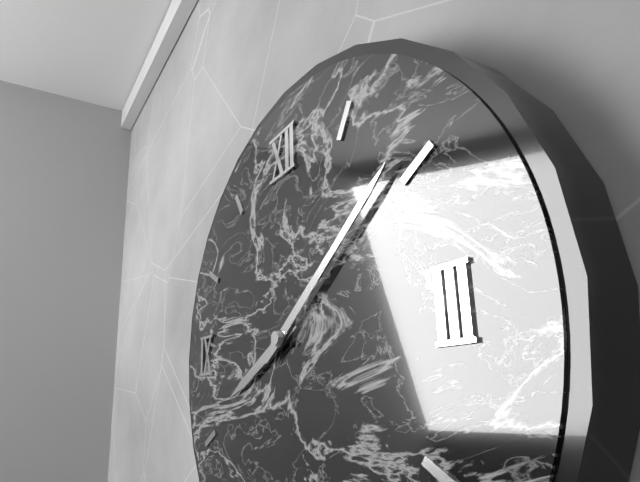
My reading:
8h09
